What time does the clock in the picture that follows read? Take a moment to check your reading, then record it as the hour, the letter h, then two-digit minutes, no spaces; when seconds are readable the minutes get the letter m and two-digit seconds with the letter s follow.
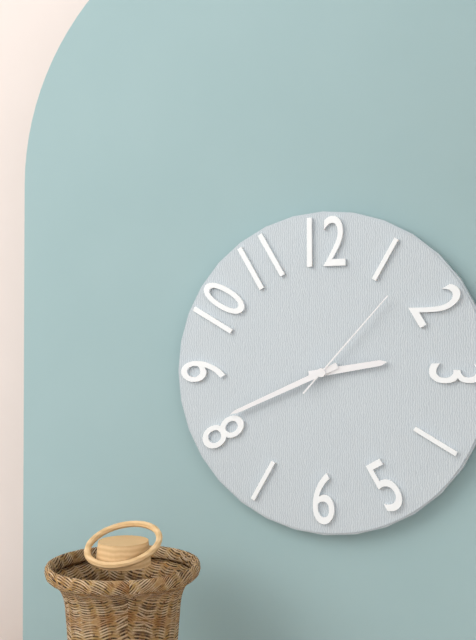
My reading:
2h41m07s
